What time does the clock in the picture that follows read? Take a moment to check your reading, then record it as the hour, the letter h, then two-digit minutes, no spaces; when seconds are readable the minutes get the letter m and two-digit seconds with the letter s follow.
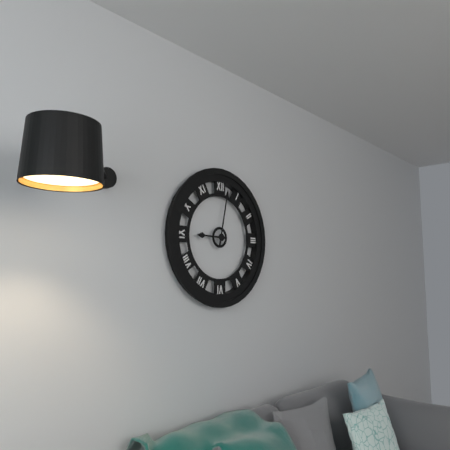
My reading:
9h02
